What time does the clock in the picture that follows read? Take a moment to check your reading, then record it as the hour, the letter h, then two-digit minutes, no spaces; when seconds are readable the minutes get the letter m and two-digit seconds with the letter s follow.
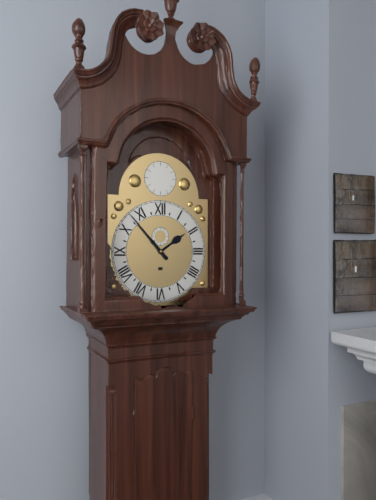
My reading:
1h53
